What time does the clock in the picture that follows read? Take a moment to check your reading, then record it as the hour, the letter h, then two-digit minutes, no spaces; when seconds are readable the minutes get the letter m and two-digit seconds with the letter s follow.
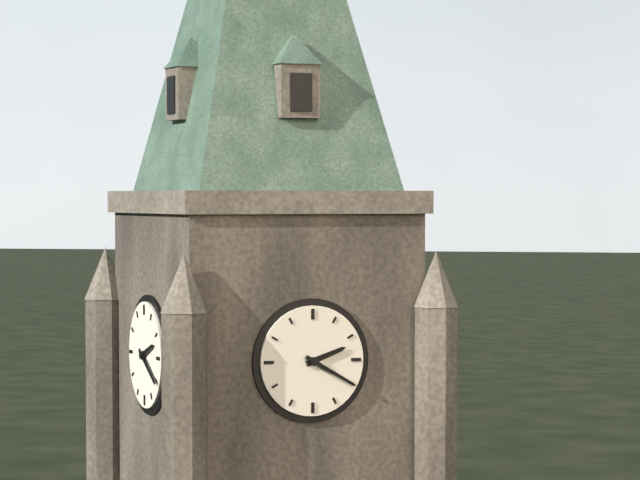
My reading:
2h20
